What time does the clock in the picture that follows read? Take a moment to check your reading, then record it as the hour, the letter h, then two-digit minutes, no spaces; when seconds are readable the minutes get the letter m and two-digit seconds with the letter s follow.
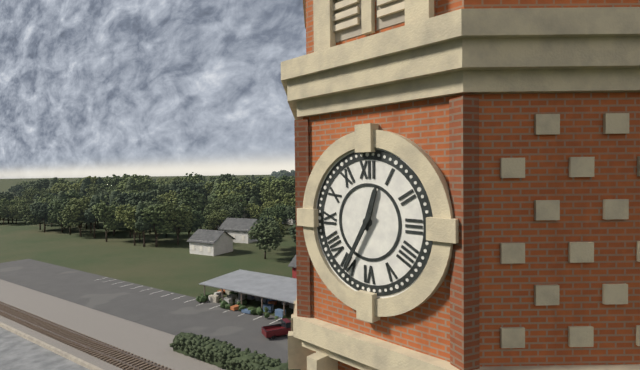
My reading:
12h35
